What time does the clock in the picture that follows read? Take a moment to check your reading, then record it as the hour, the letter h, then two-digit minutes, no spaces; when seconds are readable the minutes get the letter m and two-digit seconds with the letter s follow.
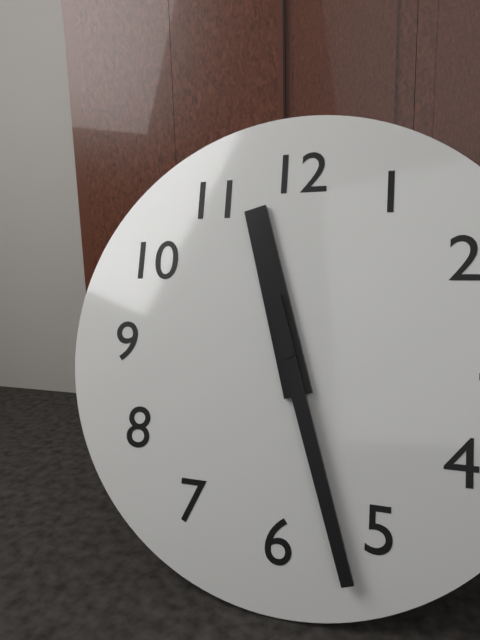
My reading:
11h27
